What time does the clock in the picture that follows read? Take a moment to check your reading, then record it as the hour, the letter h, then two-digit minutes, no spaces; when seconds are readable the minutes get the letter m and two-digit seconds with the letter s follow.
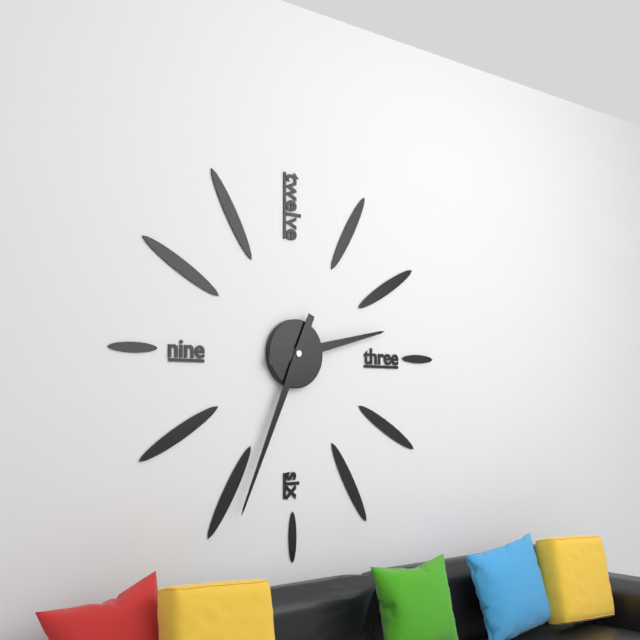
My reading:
2h34
